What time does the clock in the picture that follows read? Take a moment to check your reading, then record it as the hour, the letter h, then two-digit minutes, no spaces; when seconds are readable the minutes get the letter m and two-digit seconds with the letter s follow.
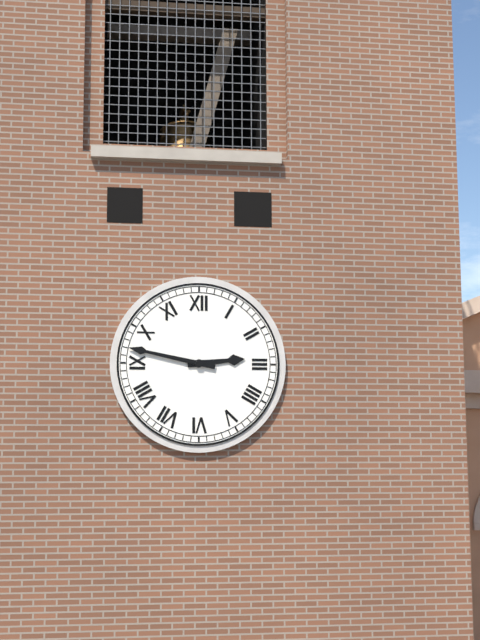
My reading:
2h47
